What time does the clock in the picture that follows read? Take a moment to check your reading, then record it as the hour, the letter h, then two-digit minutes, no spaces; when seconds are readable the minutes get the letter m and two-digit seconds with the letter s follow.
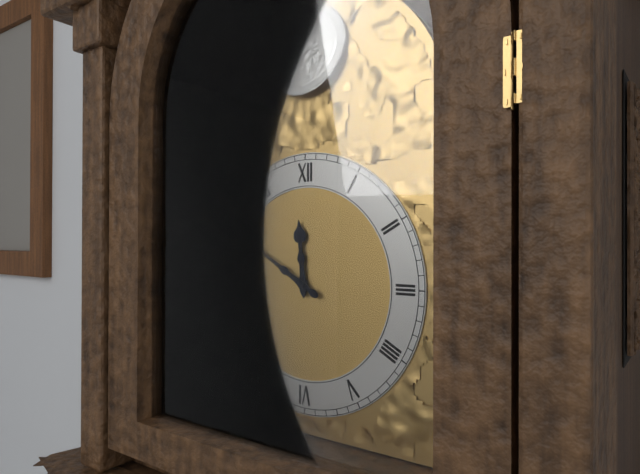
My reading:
11h50
